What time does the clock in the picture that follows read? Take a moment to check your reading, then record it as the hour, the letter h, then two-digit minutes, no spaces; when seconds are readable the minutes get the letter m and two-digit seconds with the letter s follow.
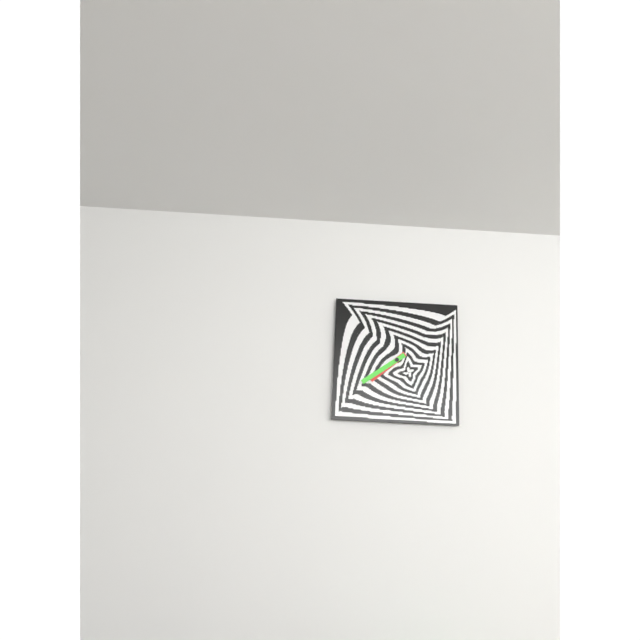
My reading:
7h39
